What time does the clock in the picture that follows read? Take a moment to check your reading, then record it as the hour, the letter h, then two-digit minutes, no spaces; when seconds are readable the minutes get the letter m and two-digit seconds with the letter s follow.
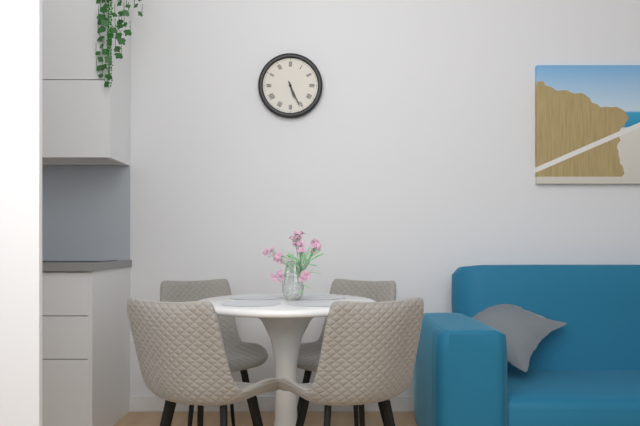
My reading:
5h26
